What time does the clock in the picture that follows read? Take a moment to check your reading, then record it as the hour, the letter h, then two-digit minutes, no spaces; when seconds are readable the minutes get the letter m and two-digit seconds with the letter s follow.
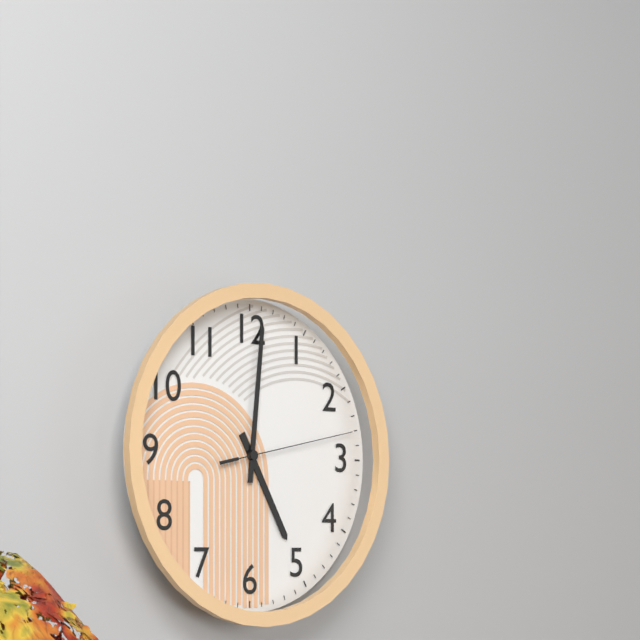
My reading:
5h01m13s
